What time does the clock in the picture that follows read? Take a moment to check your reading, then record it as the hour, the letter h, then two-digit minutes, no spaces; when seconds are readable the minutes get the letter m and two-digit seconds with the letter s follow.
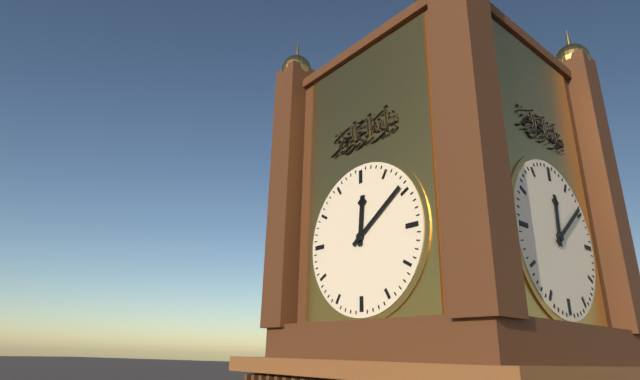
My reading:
12h09
